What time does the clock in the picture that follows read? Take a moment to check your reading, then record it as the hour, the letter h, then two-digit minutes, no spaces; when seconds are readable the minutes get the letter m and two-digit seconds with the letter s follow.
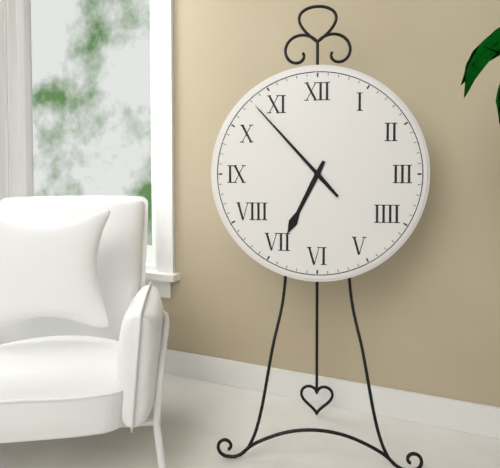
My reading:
6h53
